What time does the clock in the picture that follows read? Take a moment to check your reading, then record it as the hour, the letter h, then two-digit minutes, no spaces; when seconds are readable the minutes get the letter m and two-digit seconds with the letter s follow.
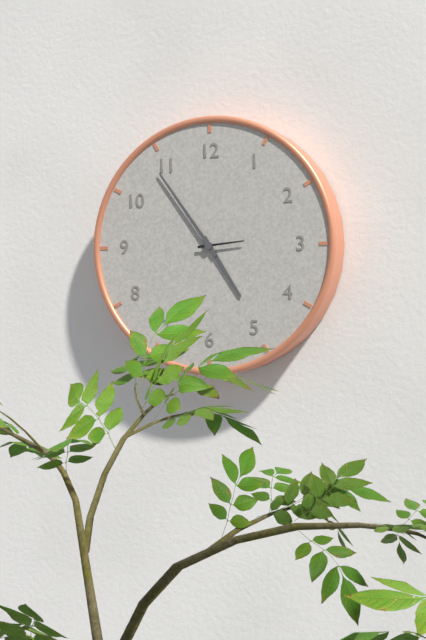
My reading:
4h54
